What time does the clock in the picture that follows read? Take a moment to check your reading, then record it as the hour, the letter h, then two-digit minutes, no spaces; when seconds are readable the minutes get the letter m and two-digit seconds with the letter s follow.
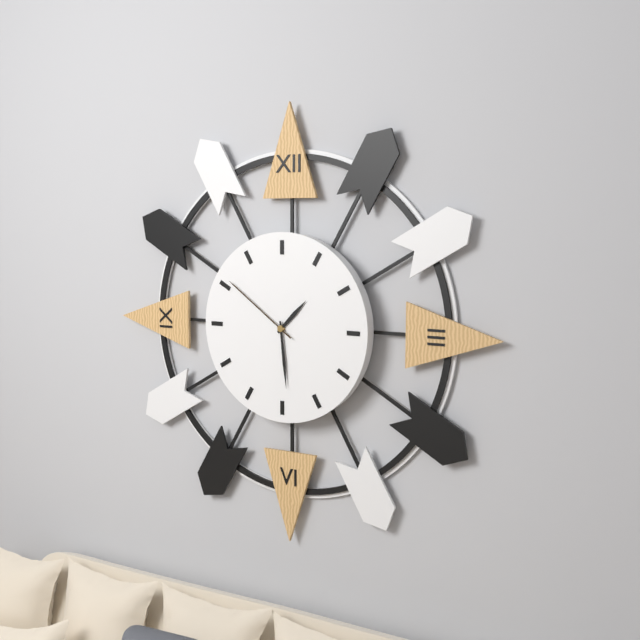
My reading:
1h29m51s
